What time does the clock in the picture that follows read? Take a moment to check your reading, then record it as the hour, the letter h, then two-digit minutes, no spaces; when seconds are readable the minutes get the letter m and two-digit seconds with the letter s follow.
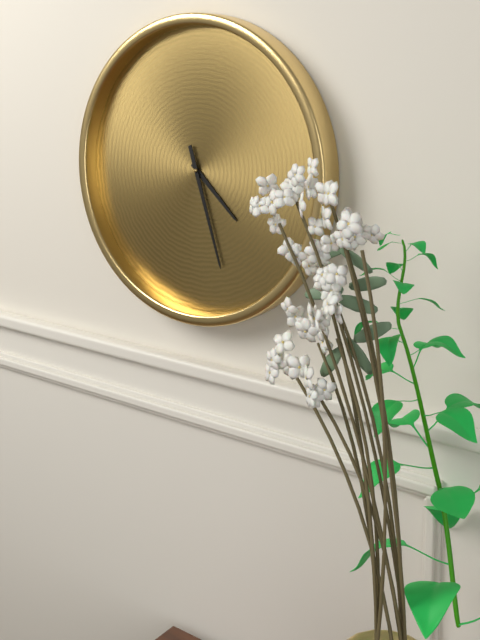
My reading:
4h27
